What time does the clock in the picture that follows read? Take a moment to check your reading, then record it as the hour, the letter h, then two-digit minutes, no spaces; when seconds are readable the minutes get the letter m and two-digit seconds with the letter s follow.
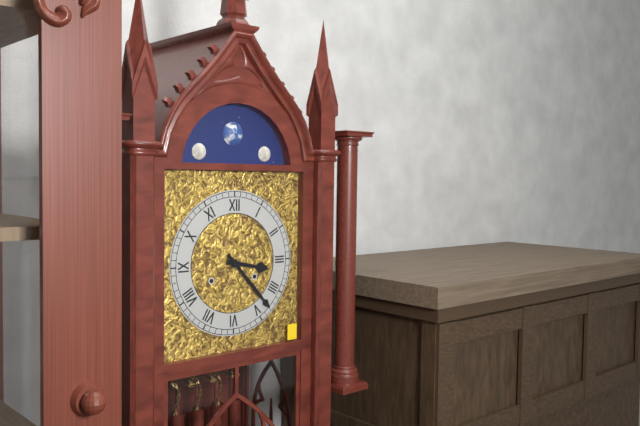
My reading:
3h23
